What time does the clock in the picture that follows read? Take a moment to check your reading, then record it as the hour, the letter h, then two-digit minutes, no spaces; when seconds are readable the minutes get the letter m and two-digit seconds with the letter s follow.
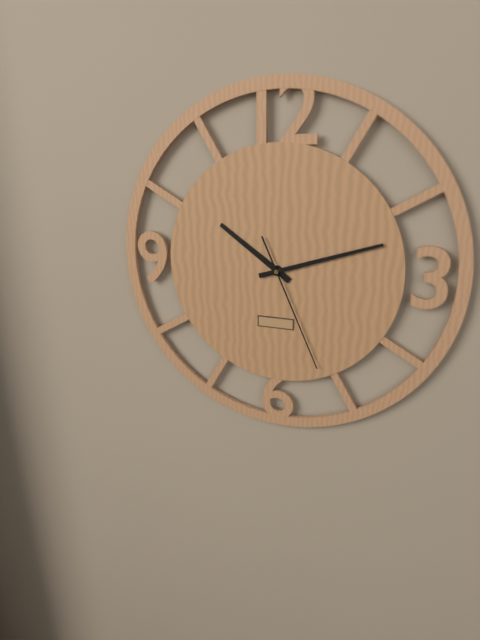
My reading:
10h12m26s
